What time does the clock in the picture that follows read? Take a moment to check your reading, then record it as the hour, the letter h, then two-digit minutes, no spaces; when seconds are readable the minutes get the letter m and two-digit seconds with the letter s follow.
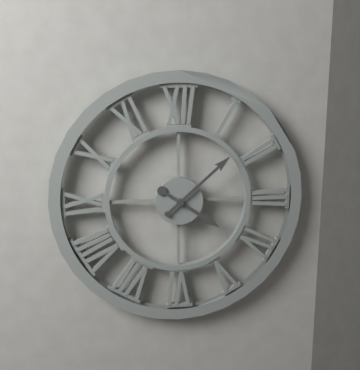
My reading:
4h08
